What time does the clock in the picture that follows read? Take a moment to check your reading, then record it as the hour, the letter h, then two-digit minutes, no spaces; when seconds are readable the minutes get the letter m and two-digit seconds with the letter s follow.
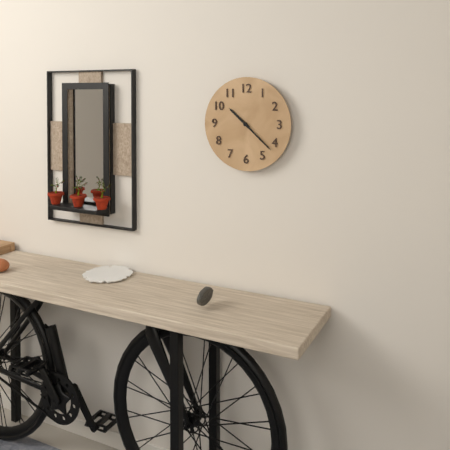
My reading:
10h22
